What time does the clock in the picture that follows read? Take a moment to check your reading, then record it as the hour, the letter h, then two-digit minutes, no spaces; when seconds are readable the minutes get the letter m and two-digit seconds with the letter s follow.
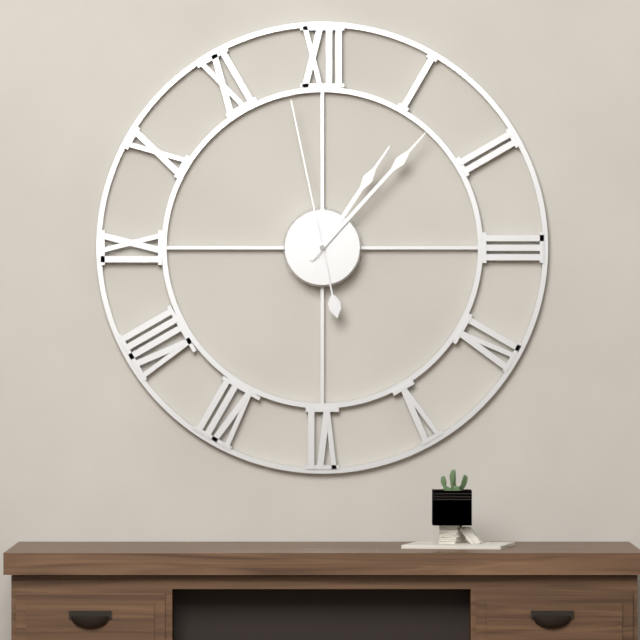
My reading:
1h07m58s
